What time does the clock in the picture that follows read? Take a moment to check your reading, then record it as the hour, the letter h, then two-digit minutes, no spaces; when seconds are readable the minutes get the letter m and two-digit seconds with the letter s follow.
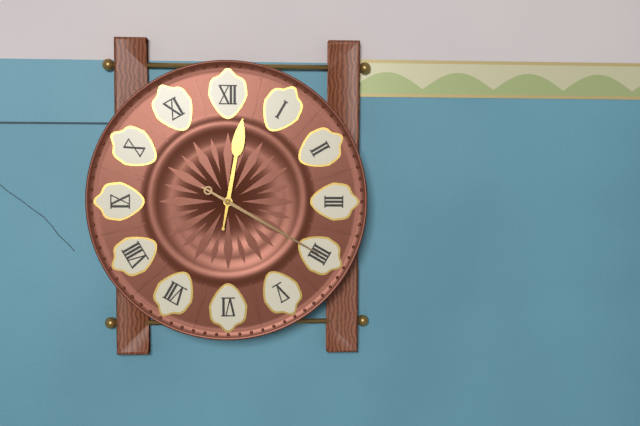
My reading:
12h20
